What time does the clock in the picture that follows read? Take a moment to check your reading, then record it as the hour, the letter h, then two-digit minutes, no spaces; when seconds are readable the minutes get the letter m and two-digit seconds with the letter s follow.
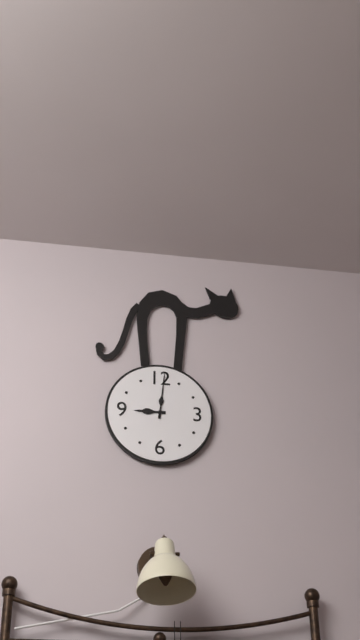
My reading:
9h01
